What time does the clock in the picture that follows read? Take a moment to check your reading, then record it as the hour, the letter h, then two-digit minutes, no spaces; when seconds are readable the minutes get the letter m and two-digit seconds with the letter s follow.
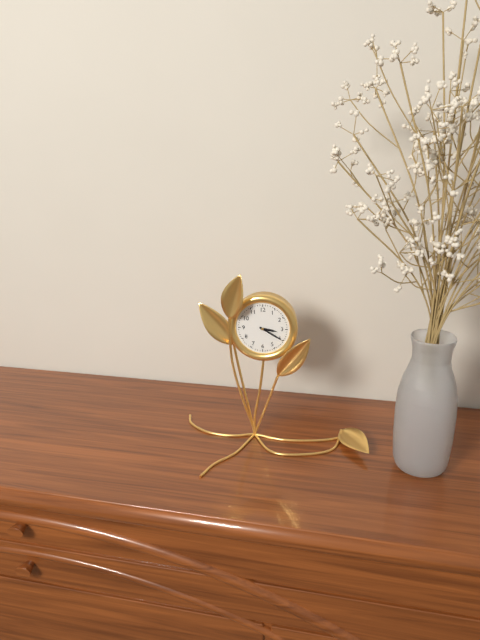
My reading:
3h20
